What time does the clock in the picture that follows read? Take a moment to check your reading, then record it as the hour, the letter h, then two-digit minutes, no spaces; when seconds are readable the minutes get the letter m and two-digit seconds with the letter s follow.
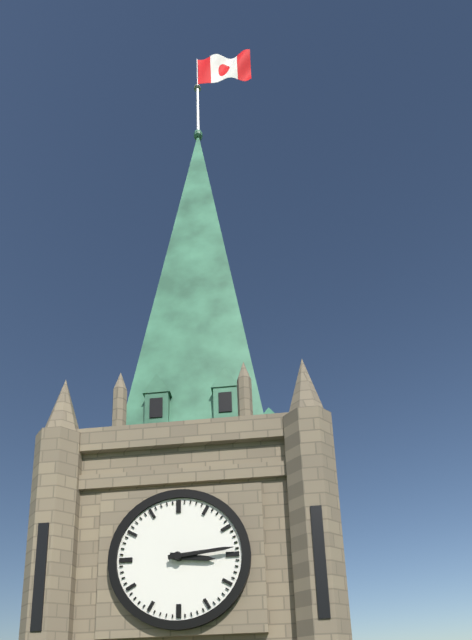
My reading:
3h14
